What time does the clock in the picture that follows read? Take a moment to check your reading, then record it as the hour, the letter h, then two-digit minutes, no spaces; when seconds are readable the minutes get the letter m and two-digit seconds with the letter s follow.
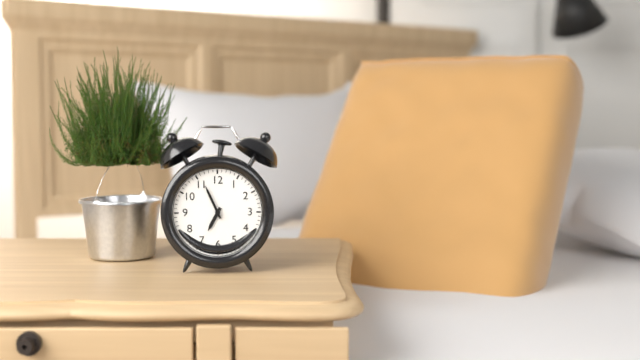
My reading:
6h56
